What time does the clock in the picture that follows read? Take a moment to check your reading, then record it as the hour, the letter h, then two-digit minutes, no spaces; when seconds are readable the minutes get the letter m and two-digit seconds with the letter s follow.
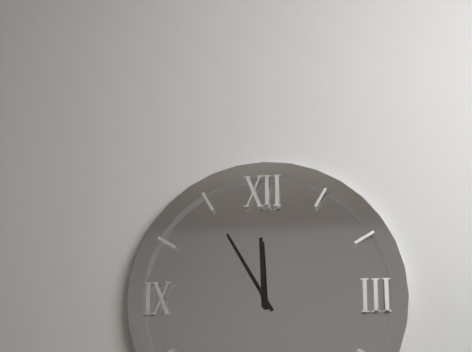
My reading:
11h55
